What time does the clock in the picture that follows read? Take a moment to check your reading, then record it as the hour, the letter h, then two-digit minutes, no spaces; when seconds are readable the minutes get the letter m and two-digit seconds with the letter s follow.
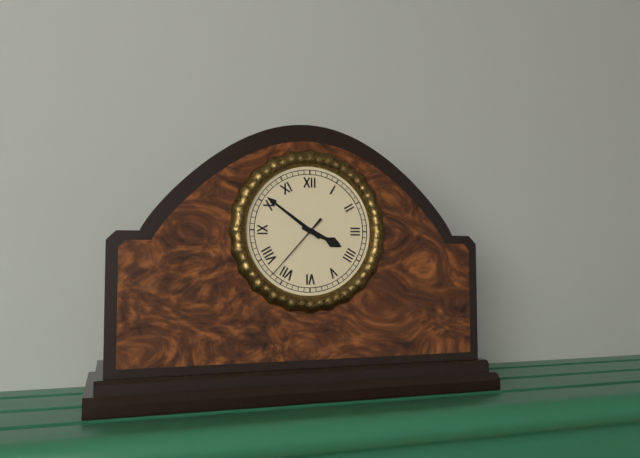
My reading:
3h51m37s
